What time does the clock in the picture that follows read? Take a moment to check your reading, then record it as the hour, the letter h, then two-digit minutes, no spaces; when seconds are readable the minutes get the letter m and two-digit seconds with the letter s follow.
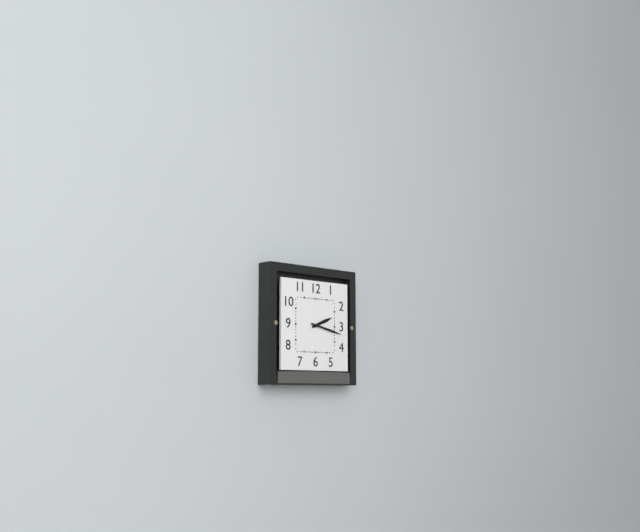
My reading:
2h17
